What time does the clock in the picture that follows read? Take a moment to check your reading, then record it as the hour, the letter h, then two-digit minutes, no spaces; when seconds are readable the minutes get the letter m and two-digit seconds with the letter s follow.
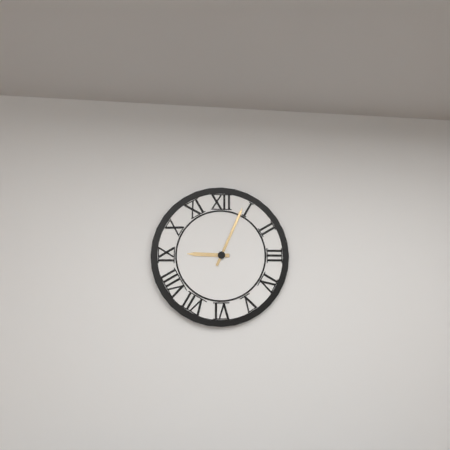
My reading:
9h04
